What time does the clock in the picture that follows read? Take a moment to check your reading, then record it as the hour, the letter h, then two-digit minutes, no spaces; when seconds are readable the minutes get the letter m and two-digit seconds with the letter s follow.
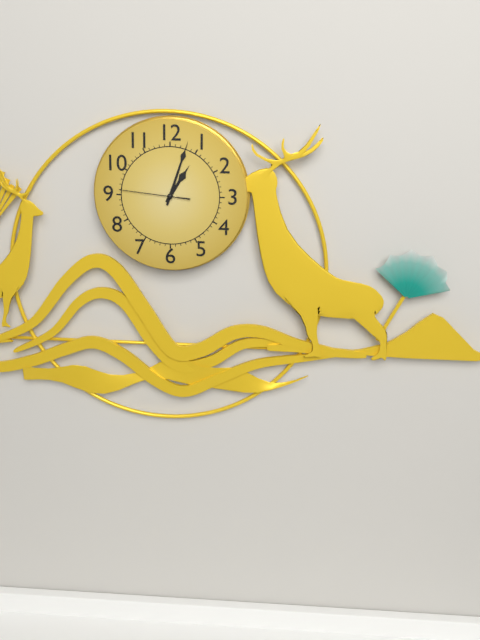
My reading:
1h03m46s
